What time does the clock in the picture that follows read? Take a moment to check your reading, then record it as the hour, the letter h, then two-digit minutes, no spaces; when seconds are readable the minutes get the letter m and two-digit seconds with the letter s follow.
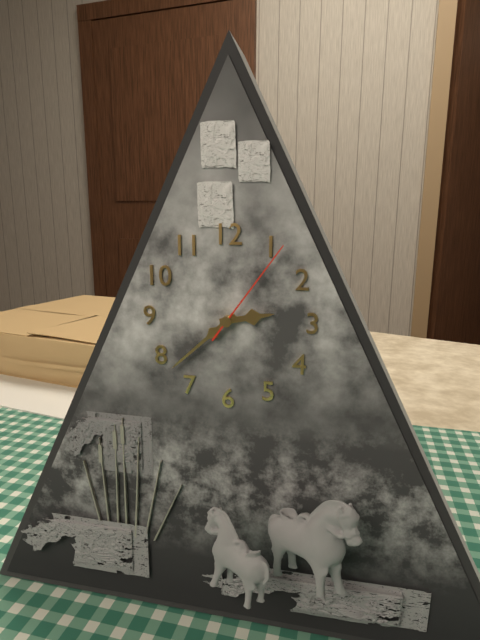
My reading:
2h38m06s
